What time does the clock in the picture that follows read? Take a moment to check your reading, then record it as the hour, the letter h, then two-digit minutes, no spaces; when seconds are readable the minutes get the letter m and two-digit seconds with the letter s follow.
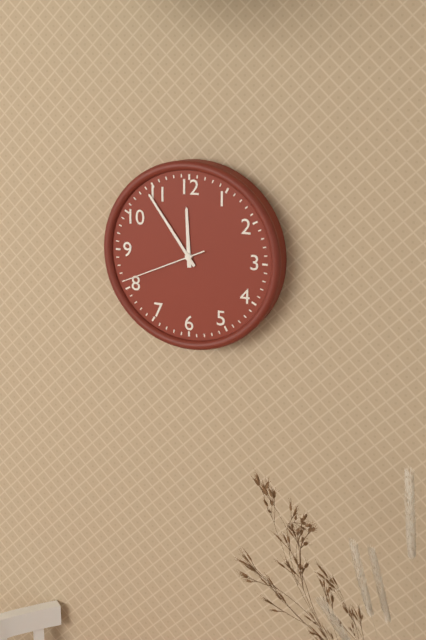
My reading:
11h54m41s
